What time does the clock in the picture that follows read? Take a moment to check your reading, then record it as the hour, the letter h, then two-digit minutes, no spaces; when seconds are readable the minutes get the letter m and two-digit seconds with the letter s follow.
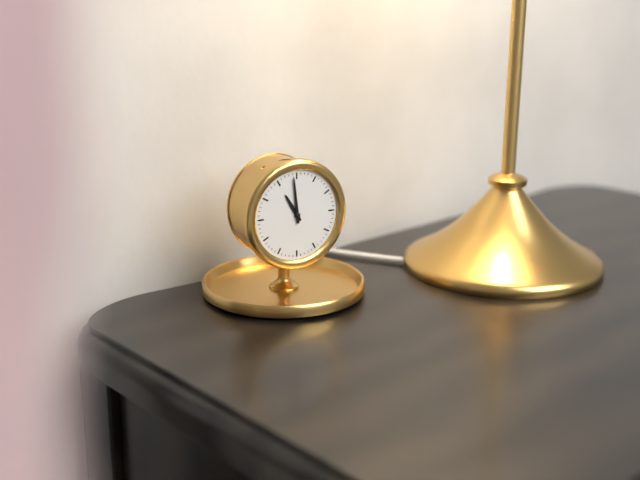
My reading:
10h59
